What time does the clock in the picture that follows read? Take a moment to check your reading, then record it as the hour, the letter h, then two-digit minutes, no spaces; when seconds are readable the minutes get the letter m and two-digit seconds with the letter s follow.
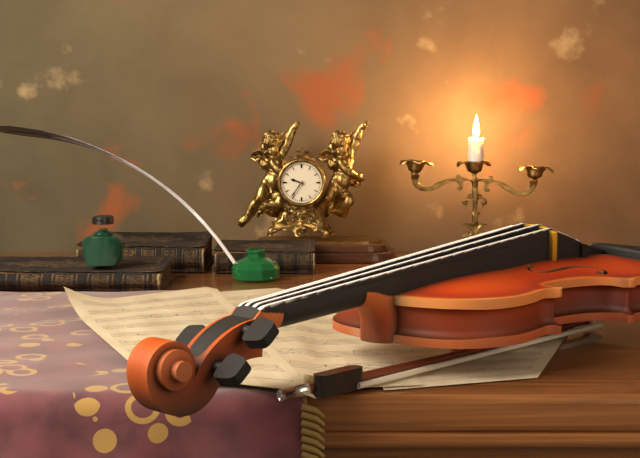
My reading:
9h36
